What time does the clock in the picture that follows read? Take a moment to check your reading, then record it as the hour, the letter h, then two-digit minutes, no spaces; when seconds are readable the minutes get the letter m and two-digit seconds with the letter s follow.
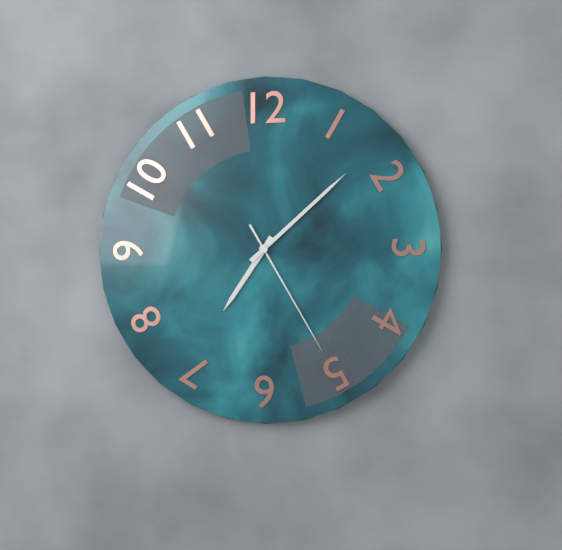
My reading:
7h08m25s
